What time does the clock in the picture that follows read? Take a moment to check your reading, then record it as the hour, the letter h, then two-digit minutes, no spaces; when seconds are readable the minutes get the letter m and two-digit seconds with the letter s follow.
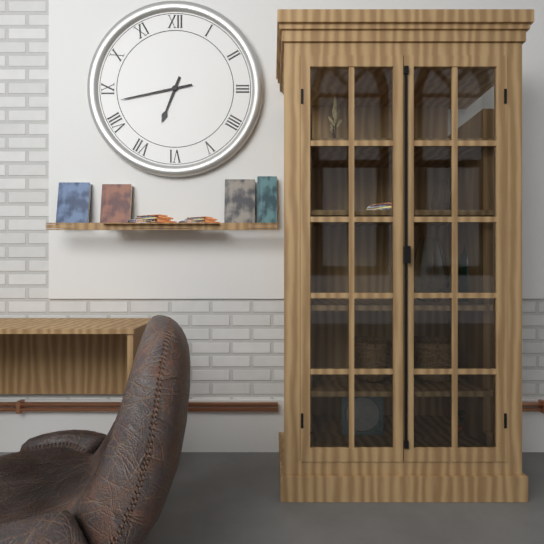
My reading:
6h43
